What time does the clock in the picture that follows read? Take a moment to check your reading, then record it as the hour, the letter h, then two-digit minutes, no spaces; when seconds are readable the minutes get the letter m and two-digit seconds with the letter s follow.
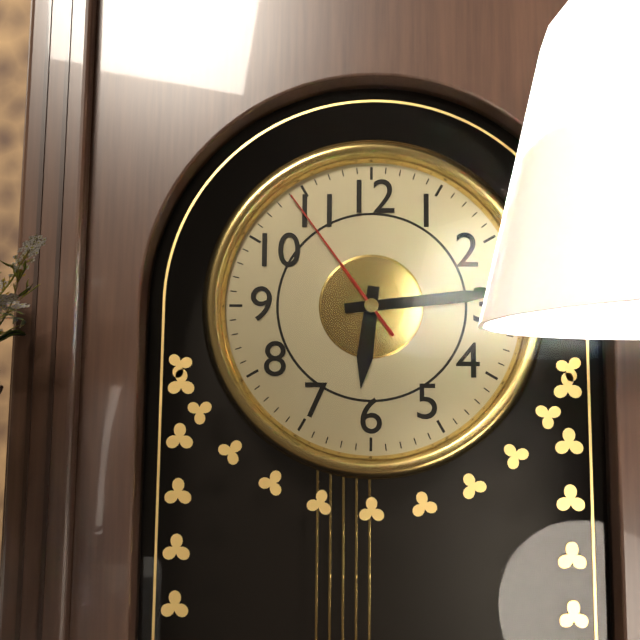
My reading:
6h14m54s
